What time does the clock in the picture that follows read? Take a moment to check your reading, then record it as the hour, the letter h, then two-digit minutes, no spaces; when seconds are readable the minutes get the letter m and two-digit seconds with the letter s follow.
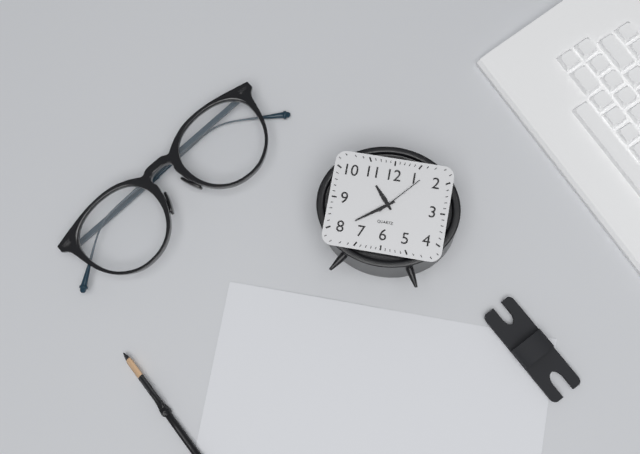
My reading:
10h39m07s
